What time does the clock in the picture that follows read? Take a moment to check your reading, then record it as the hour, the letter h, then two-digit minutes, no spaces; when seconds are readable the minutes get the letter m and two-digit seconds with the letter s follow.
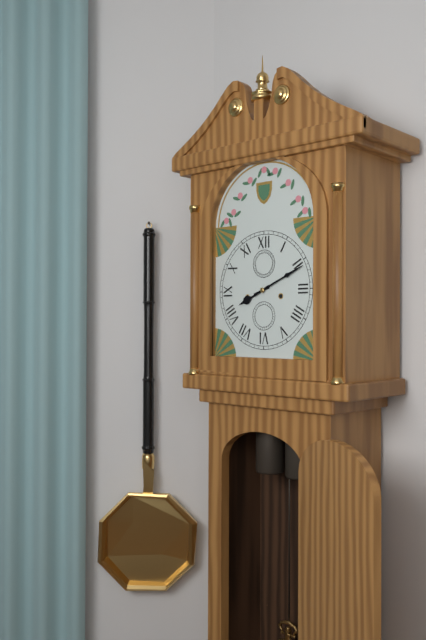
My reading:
8h11
